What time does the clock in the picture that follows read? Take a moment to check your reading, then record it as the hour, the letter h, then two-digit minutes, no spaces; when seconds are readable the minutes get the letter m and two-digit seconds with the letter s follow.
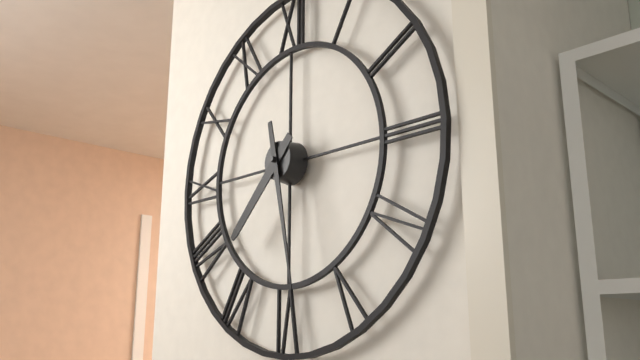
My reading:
7h28
